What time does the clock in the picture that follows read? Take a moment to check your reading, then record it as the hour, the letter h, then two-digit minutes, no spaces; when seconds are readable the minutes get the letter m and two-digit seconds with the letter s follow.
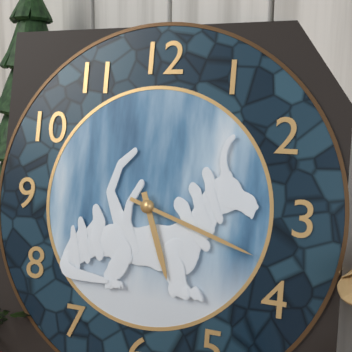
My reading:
5h18
